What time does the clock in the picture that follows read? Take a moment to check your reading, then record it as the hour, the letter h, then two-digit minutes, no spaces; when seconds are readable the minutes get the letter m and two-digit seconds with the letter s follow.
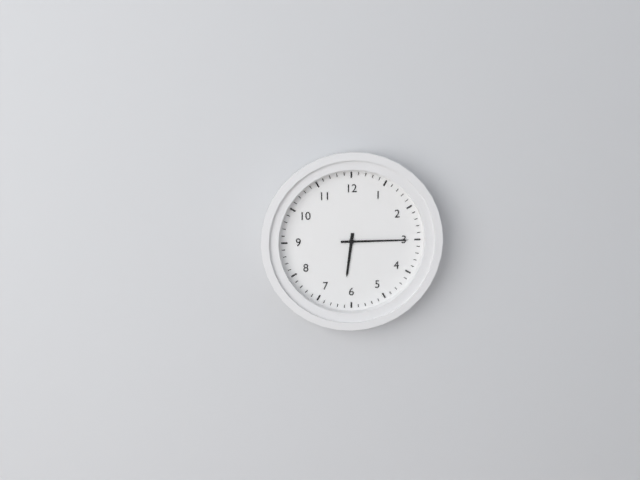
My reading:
6h15
